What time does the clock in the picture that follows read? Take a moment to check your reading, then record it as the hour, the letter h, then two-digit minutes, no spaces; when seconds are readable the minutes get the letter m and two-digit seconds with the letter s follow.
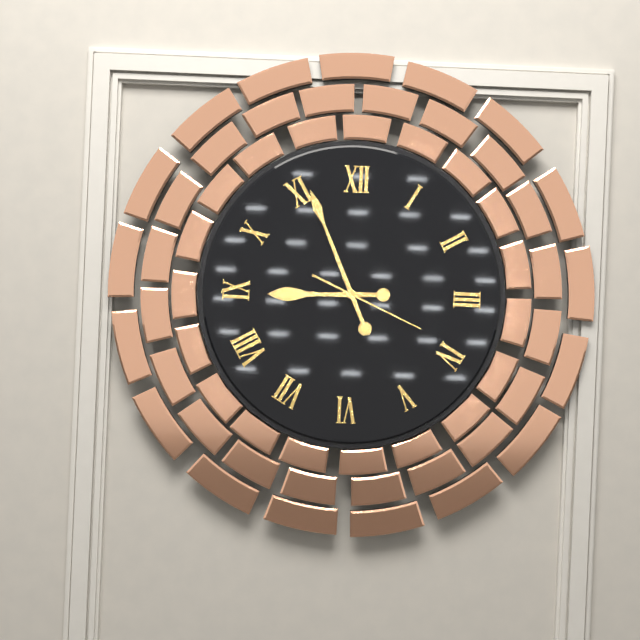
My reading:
8h56m19s
